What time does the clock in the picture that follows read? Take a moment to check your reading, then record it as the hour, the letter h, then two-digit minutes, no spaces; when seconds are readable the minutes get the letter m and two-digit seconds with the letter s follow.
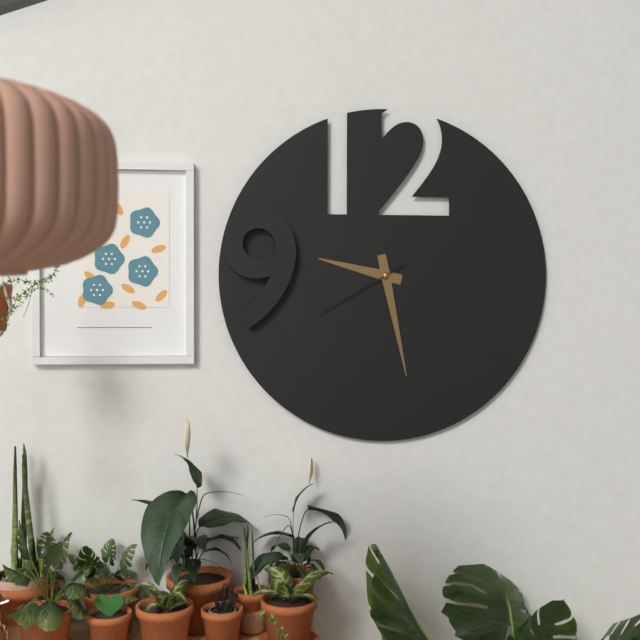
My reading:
9h28m40s
